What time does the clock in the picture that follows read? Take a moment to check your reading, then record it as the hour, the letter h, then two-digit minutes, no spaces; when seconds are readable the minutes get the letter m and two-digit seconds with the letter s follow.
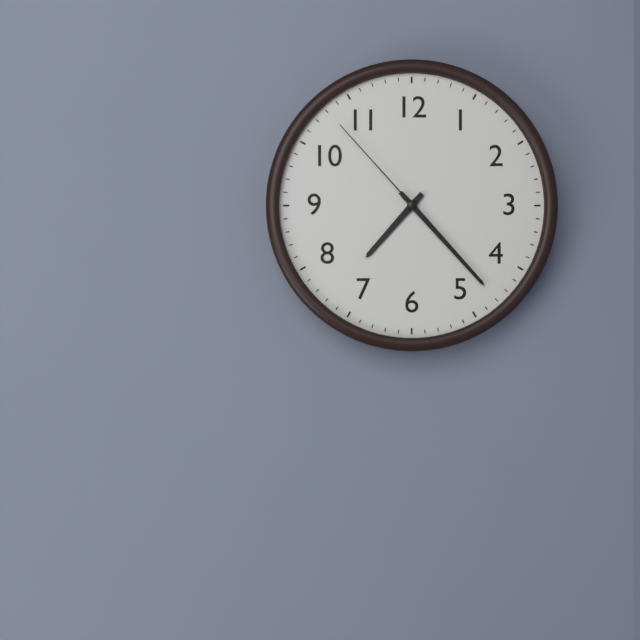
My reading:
7h23m53s
